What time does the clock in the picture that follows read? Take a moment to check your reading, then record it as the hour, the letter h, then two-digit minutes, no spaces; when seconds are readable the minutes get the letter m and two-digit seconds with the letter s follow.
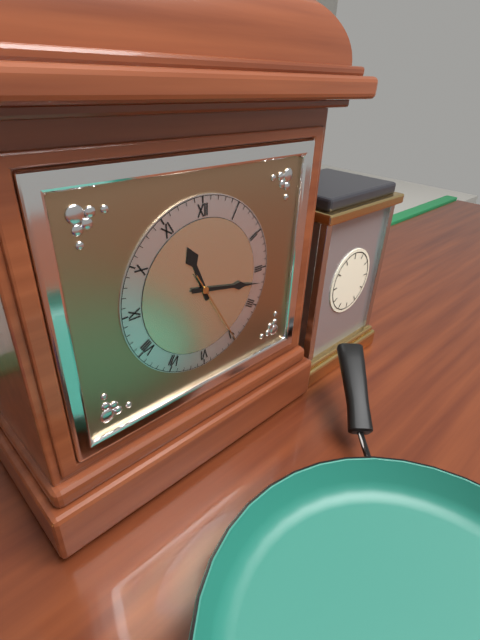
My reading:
11h17m25s
